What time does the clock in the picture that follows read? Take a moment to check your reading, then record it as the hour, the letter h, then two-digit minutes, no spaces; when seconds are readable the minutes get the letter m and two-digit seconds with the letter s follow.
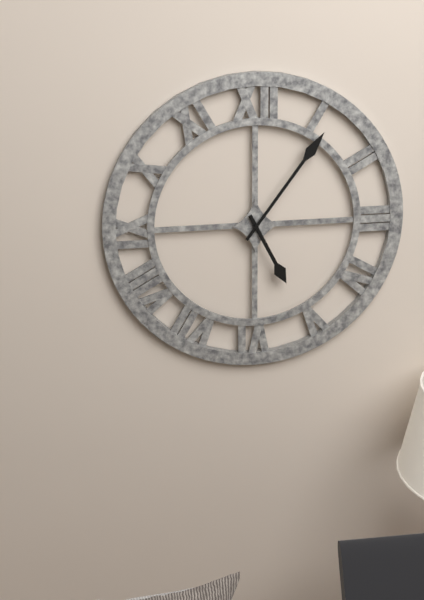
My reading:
5h06
